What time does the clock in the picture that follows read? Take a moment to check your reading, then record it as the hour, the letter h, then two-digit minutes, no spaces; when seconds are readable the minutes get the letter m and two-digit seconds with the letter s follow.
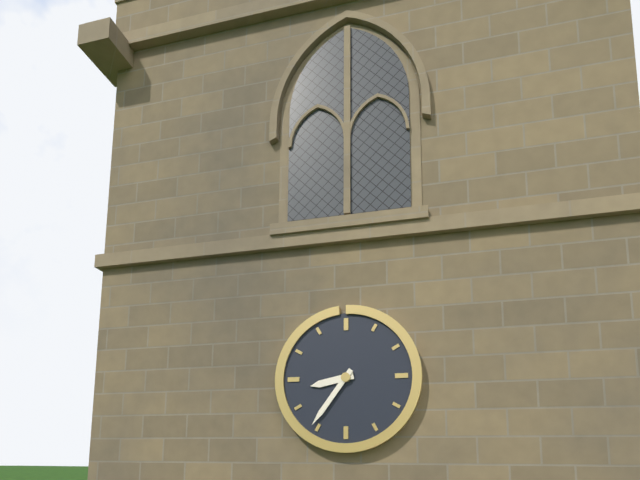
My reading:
8h36
